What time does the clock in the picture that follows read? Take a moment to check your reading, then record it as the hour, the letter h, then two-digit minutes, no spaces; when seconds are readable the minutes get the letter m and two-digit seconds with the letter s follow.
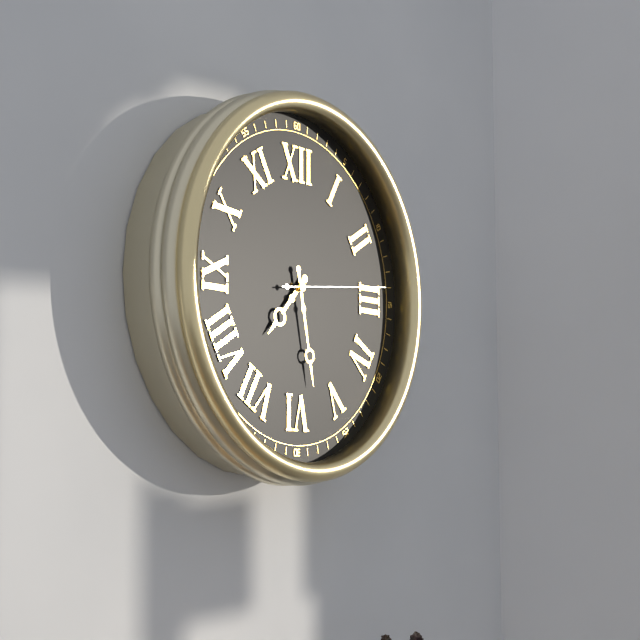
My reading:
7h28m14s
